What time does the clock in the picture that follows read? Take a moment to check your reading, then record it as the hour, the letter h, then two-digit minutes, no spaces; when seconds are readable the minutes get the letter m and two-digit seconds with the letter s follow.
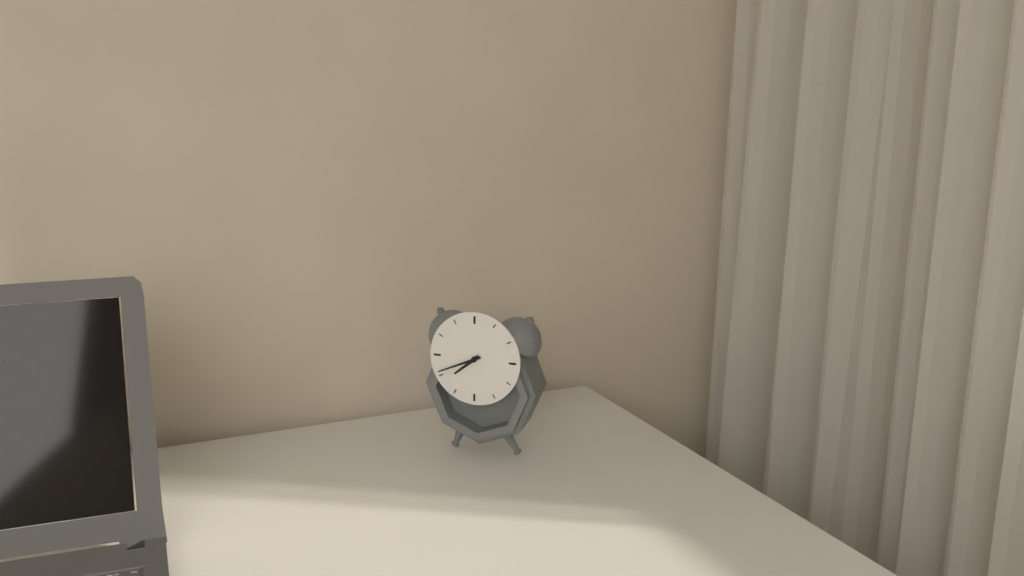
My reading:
7h41
